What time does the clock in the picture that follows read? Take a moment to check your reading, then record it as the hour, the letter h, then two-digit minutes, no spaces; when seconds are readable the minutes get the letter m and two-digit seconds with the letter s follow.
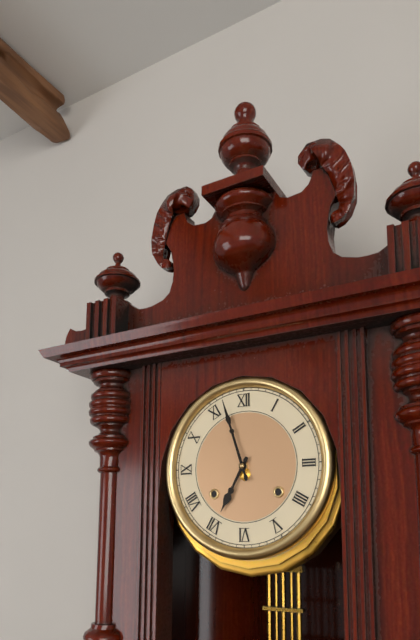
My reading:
6h57
